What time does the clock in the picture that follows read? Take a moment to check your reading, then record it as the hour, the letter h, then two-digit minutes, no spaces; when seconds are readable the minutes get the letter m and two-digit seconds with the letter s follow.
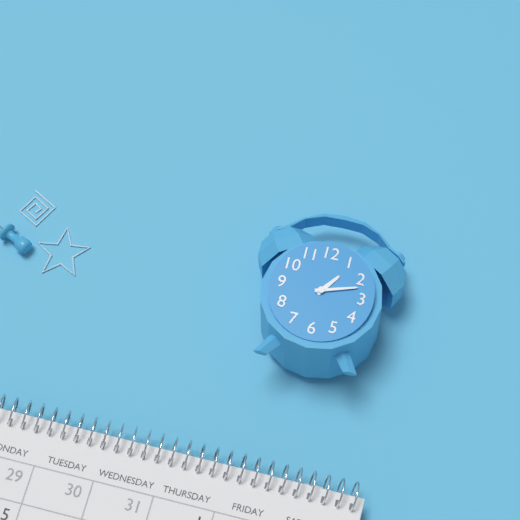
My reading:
1h12
